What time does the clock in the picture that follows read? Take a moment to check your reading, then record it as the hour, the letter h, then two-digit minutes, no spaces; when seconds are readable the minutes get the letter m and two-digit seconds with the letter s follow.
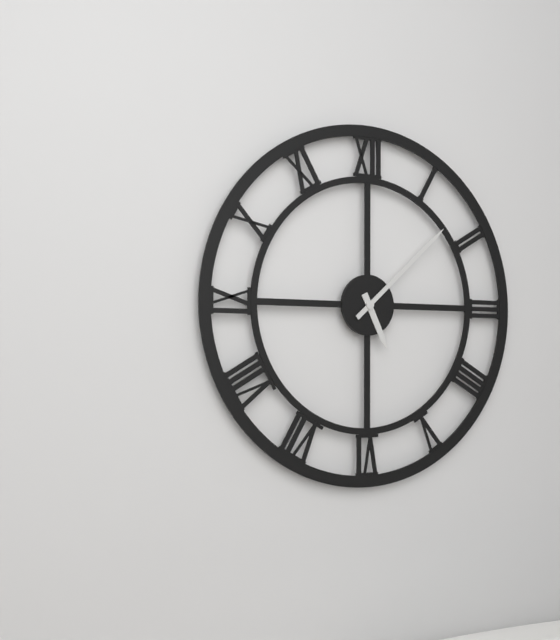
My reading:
5h08
